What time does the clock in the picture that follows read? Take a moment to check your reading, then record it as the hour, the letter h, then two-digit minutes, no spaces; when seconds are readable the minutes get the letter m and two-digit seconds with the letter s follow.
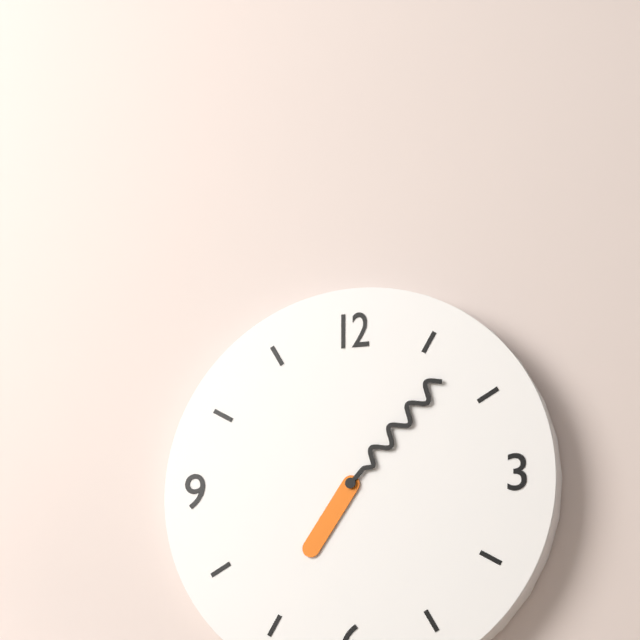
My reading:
7h07
